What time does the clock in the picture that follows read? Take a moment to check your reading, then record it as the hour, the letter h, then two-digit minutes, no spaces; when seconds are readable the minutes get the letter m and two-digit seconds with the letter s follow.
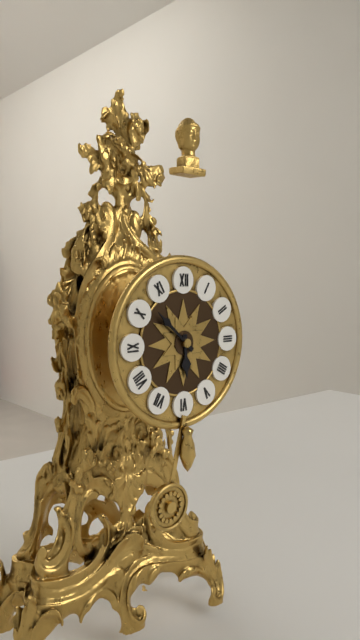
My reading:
5h52
